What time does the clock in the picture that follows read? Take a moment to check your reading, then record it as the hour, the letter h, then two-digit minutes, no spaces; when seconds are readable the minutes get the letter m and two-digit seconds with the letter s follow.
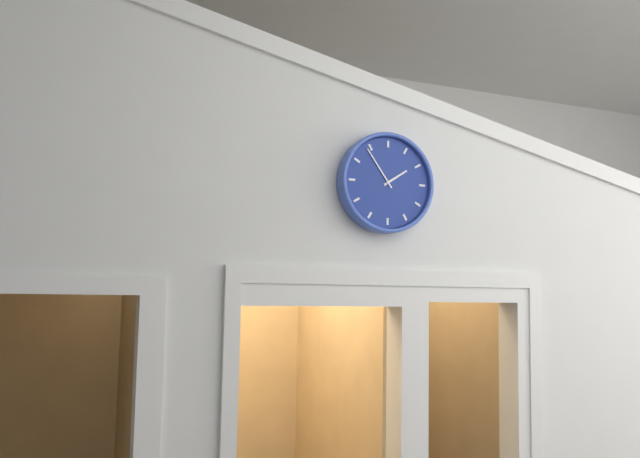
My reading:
1h54
